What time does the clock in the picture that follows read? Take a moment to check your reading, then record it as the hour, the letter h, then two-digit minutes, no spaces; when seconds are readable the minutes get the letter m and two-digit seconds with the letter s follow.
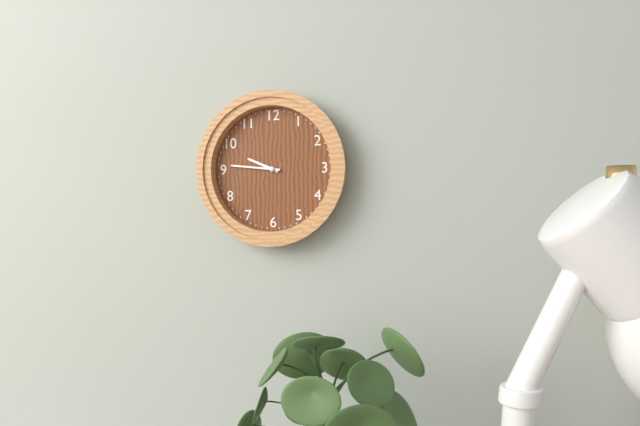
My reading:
9h46
